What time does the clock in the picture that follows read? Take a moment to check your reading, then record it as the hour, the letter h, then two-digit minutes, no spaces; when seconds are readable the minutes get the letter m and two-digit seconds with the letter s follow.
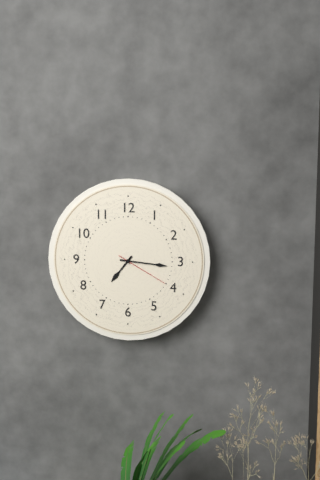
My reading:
7h16m20s
